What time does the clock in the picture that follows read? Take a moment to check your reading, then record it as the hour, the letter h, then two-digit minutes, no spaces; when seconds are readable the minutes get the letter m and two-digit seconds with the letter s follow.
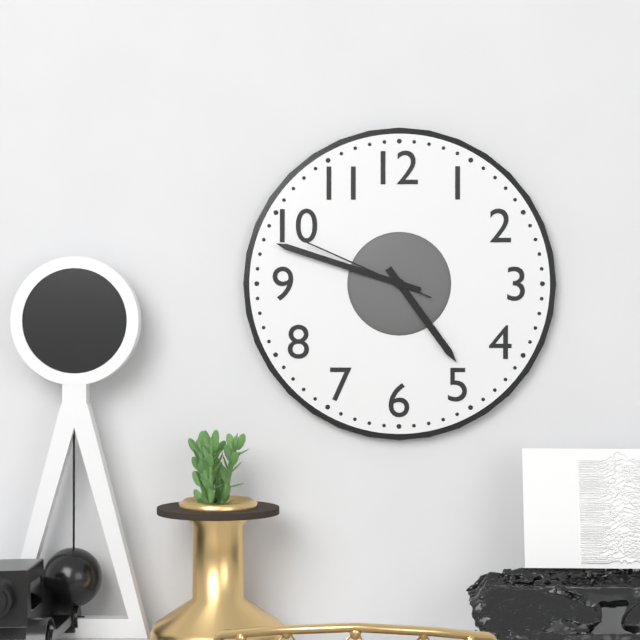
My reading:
4h48m49s
